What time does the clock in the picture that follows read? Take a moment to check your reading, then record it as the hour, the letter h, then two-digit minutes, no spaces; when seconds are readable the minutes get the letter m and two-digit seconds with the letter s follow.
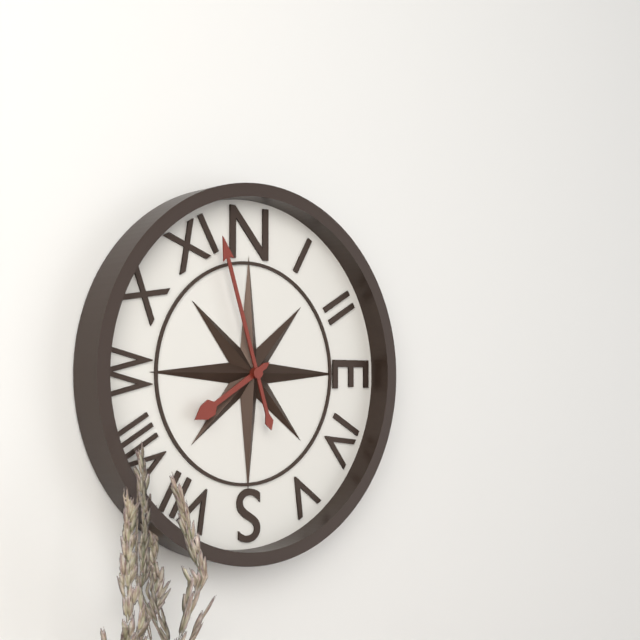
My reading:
7h57
